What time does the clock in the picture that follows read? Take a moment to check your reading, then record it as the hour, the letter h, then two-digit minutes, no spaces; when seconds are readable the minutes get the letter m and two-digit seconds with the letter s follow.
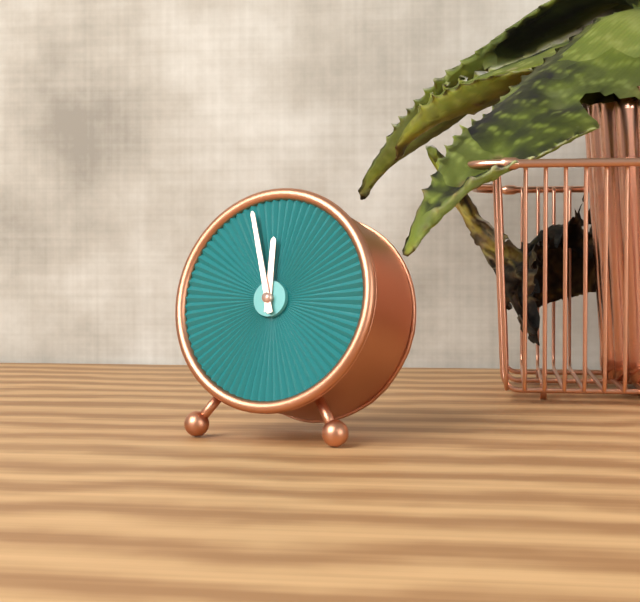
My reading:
11h57
